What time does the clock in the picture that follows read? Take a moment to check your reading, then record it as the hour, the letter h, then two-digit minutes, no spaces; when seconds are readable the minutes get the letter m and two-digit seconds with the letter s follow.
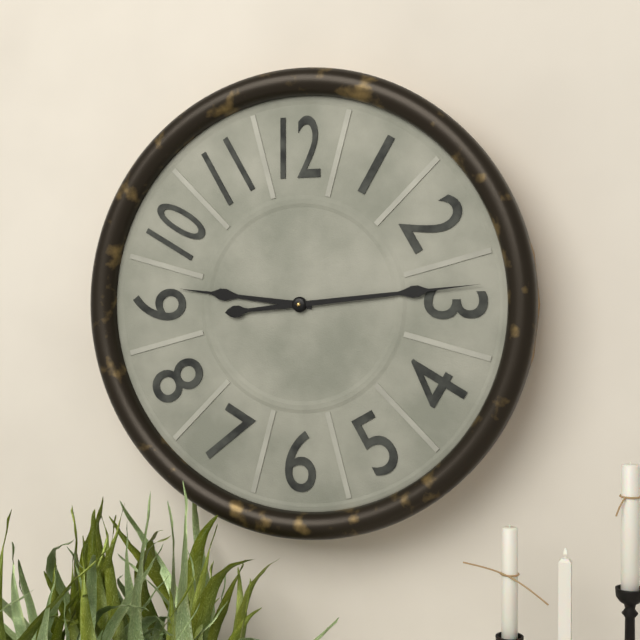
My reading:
9h14
